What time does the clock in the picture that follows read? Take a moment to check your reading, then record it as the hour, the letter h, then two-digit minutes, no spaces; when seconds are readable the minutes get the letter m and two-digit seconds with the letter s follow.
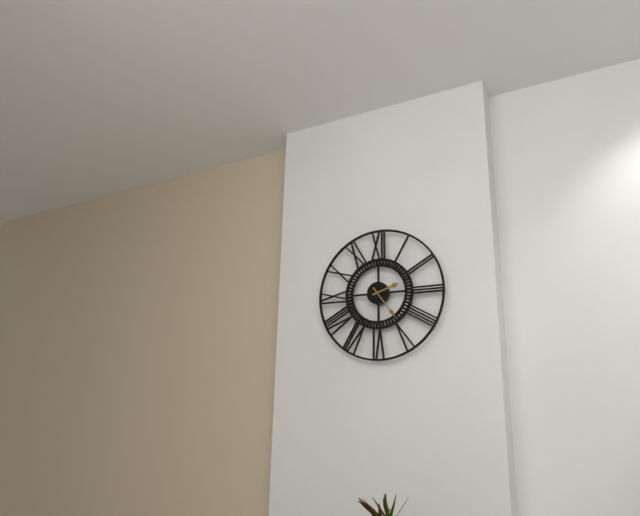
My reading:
2h24
